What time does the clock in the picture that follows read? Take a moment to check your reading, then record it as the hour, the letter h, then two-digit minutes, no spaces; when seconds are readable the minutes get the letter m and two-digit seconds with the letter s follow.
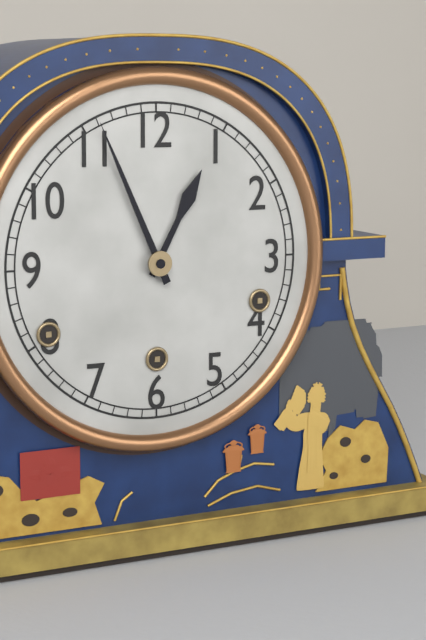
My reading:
12h56
